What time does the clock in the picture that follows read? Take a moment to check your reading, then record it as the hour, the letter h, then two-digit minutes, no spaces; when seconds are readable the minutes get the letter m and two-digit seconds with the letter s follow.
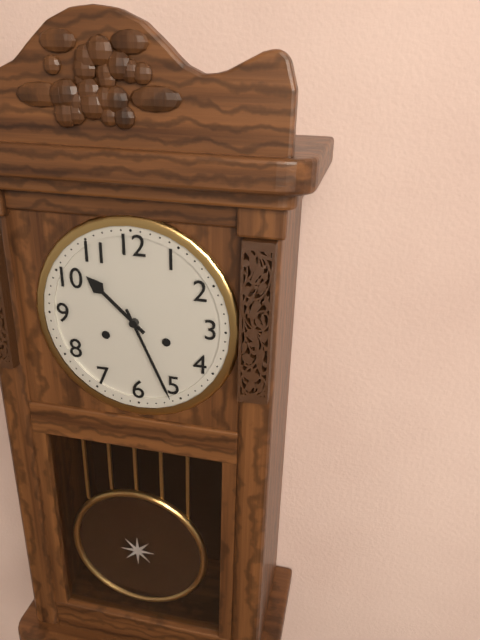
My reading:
10h26
